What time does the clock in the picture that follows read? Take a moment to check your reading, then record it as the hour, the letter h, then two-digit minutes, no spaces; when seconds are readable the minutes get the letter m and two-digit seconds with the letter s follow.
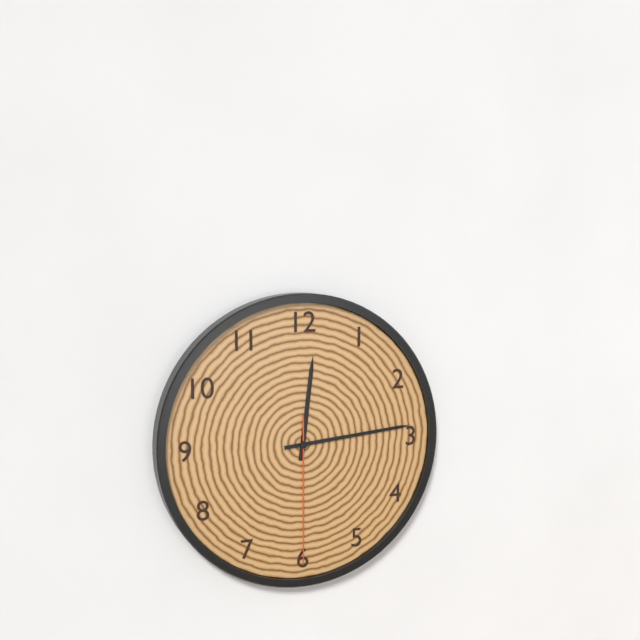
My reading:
12h14m30s
